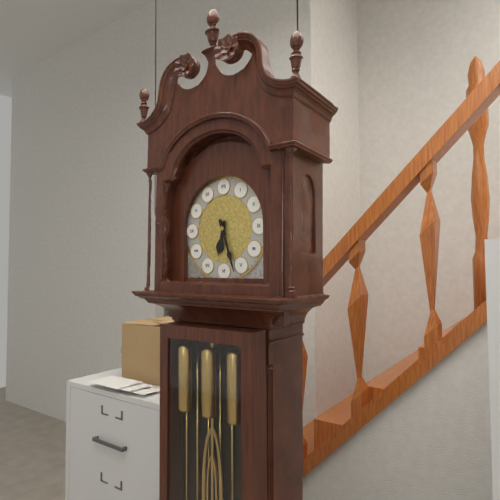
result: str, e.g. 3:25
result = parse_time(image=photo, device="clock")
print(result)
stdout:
6:27
